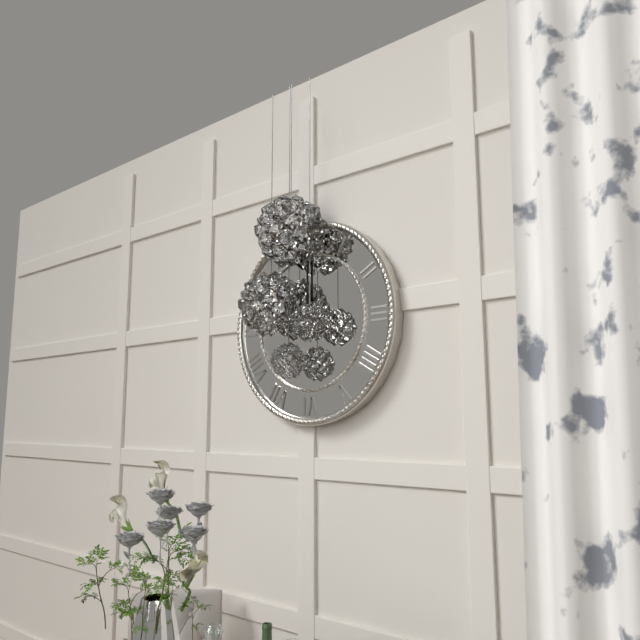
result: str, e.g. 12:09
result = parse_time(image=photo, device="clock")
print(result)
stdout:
11:00
